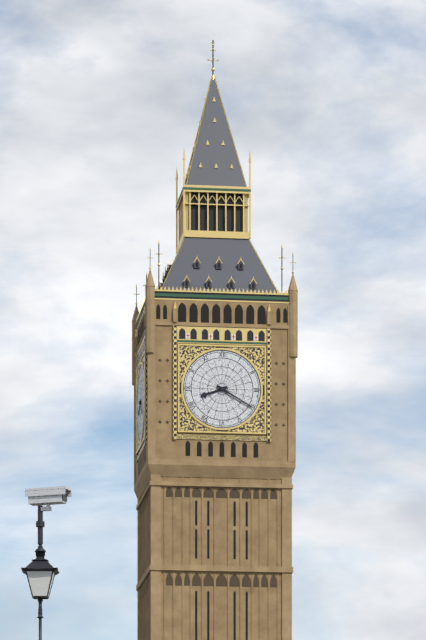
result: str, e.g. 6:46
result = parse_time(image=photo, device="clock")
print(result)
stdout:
8:20
